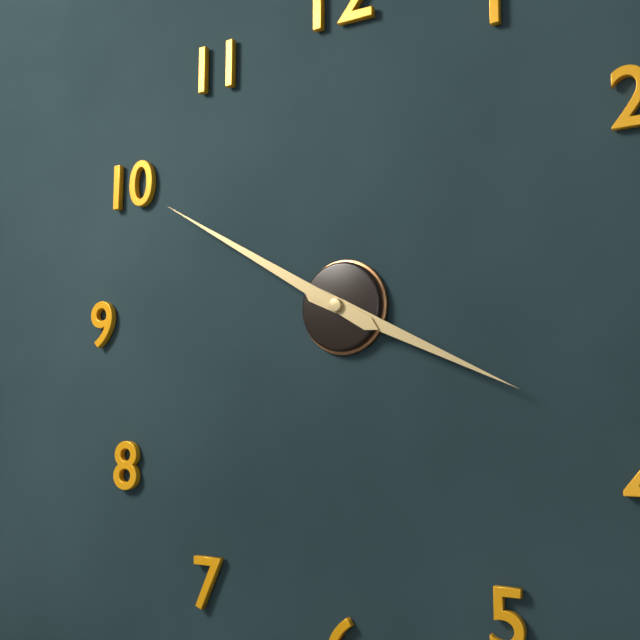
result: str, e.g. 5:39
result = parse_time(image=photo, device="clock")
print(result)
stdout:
3:50
